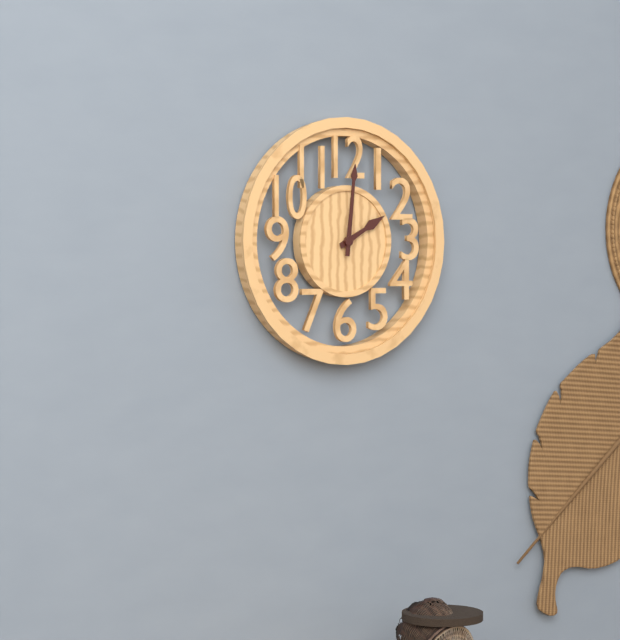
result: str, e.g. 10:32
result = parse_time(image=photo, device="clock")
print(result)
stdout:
2:01
